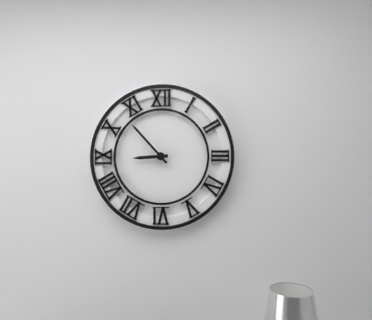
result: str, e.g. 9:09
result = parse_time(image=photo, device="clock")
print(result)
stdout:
8:53
